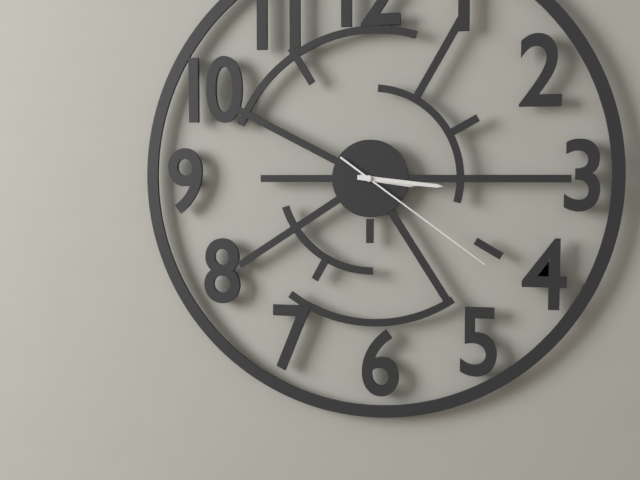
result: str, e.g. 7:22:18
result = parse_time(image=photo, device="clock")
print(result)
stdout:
3:16:21
